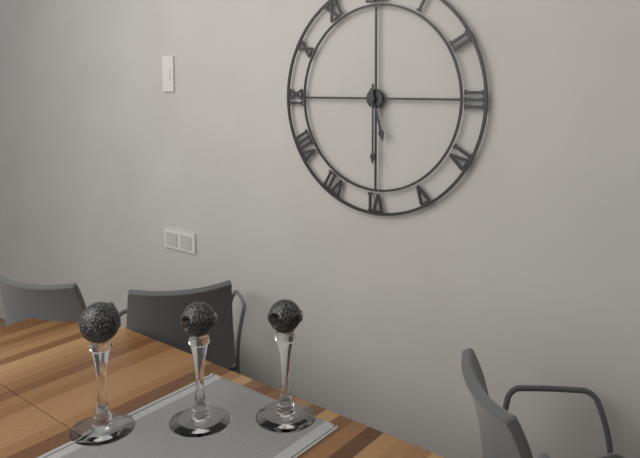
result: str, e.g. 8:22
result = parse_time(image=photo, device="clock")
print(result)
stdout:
5:30
